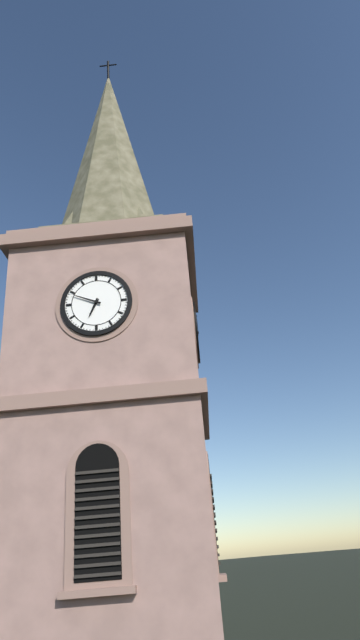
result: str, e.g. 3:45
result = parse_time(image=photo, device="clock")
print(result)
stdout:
6:49
